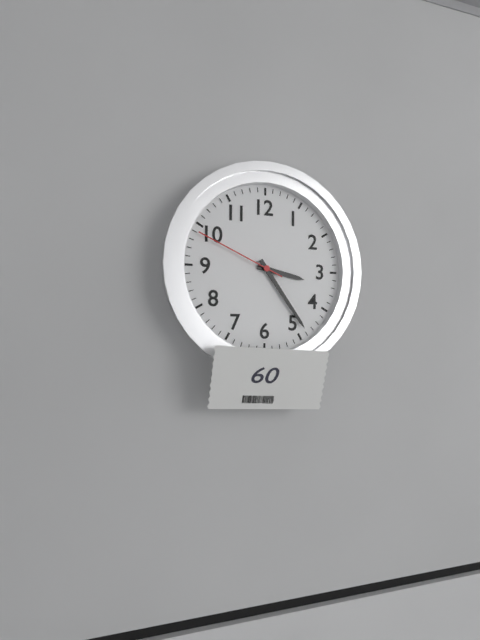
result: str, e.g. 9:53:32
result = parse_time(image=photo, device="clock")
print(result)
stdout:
3:24:49
